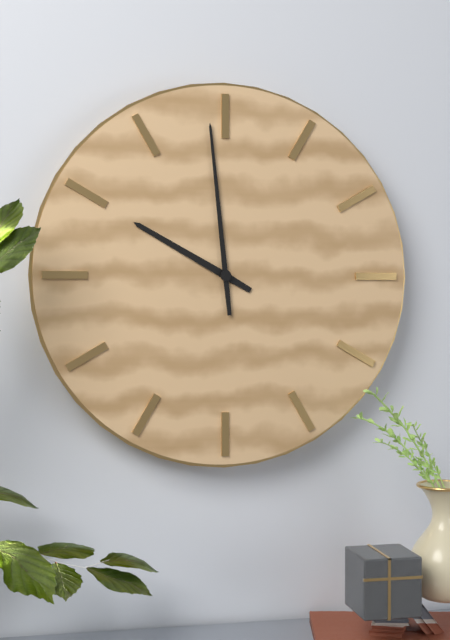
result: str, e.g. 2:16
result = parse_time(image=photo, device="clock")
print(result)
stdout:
9:59
